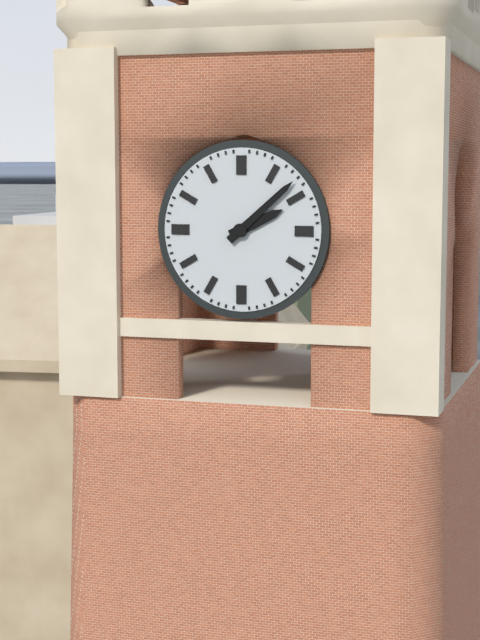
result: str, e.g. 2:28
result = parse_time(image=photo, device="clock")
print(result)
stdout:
2:08
